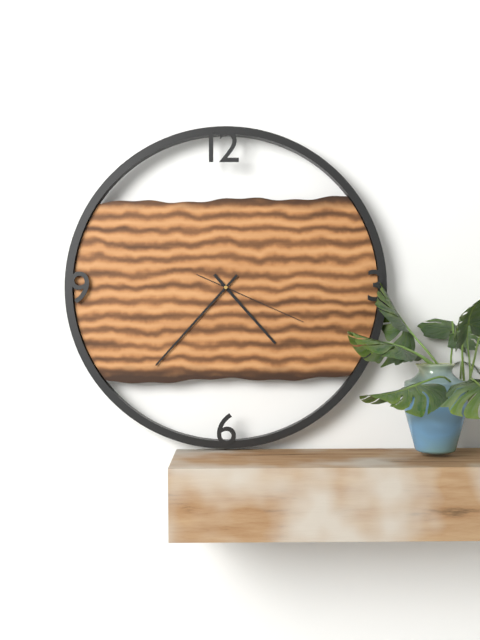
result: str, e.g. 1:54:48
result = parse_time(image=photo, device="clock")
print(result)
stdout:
4:37:19
